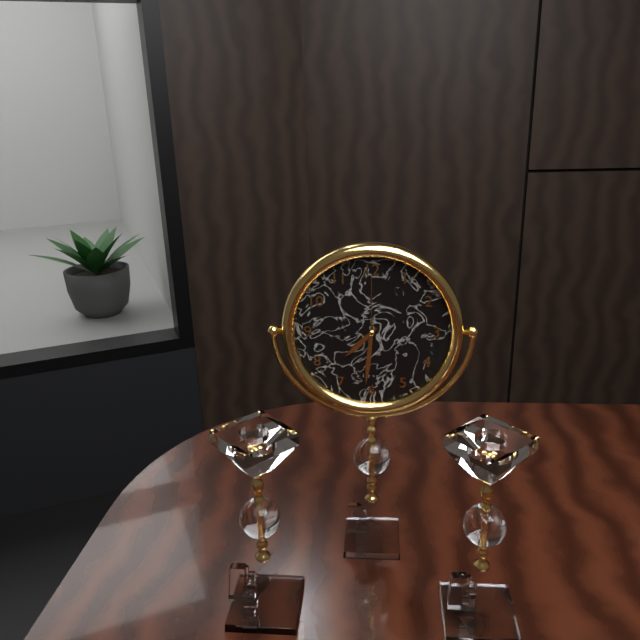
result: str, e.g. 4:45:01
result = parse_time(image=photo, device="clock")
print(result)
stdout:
7:31:00
